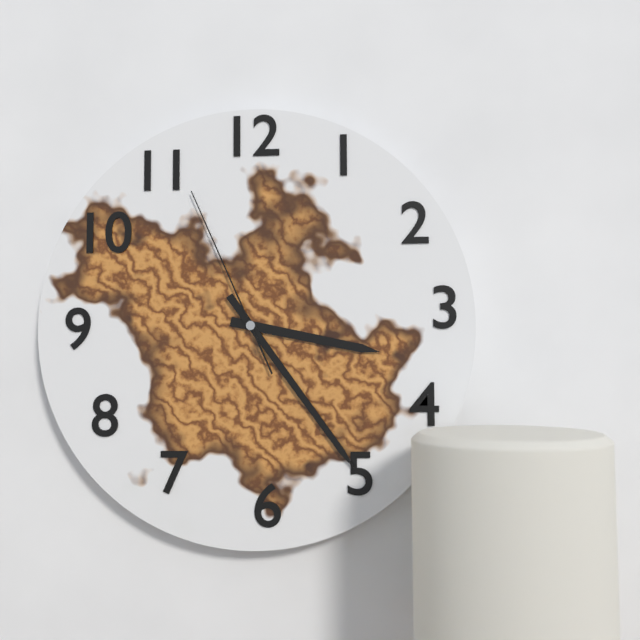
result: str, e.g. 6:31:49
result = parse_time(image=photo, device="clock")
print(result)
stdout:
3:24:56
